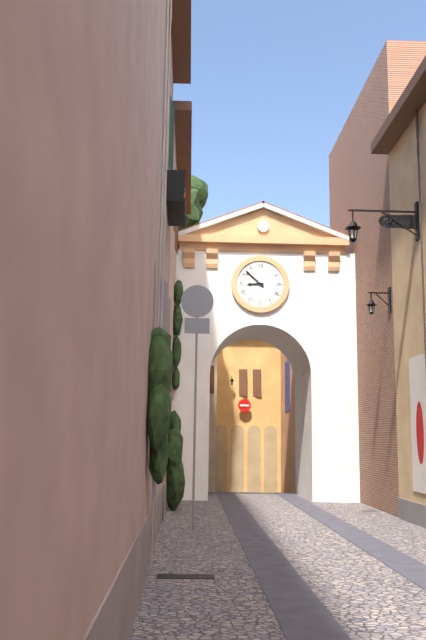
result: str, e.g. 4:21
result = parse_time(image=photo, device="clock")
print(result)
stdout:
8:52
